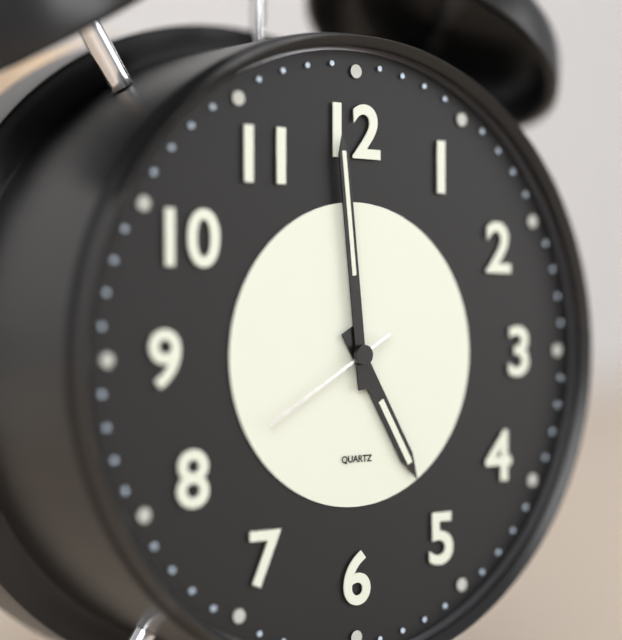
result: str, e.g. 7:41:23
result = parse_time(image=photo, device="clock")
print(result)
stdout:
4:59:40
